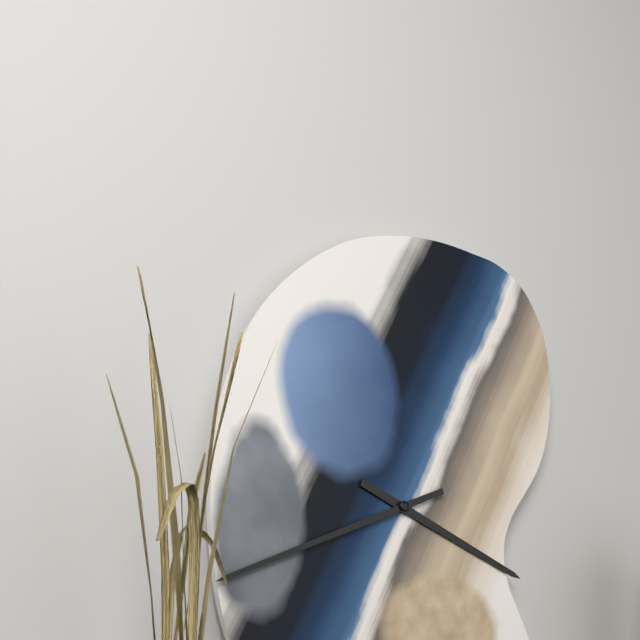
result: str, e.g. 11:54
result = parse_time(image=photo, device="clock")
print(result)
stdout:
3:41
